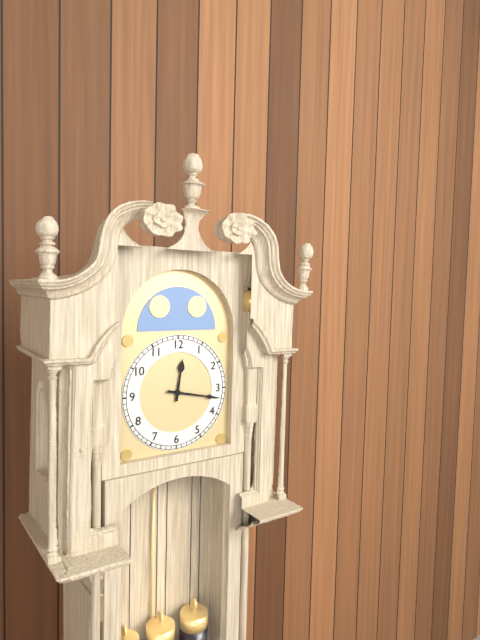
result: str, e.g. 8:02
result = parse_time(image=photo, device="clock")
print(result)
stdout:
12:17
